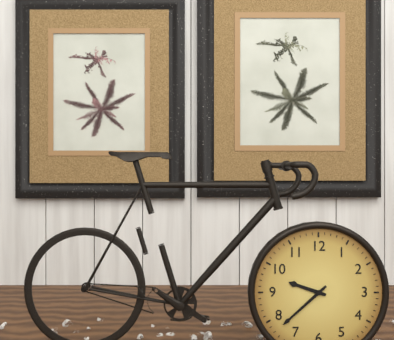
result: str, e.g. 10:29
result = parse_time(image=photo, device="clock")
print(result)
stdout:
9:38
